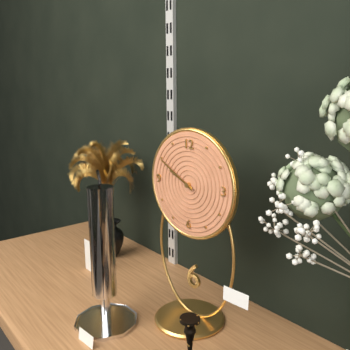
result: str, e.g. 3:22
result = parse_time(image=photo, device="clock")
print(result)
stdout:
9:50
